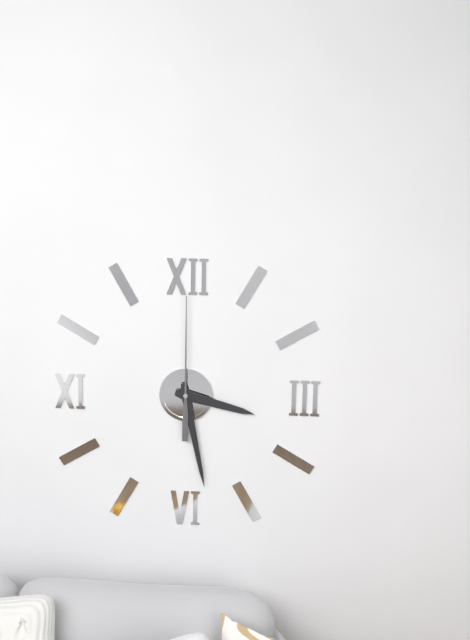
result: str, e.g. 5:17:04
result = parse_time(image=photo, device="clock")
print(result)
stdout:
3:28:00
